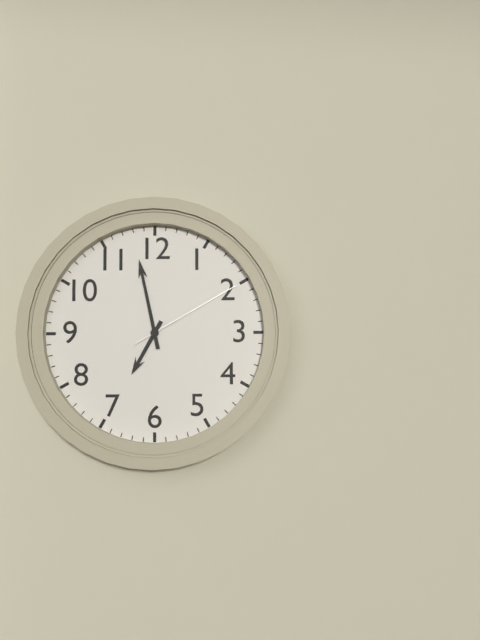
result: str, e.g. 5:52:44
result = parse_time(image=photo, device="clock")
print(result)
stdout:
6:58:10
